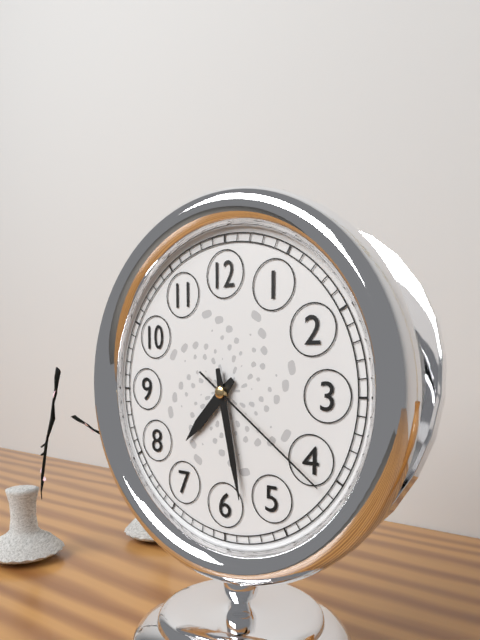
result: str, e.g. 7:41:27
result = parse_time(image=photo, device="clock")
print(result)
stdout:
7:28:21
